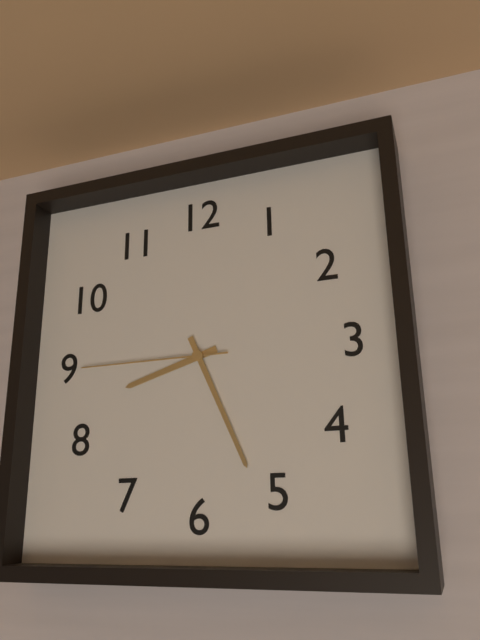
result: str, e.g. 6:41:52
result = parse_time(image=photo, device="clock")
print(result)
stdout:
8:26:45
